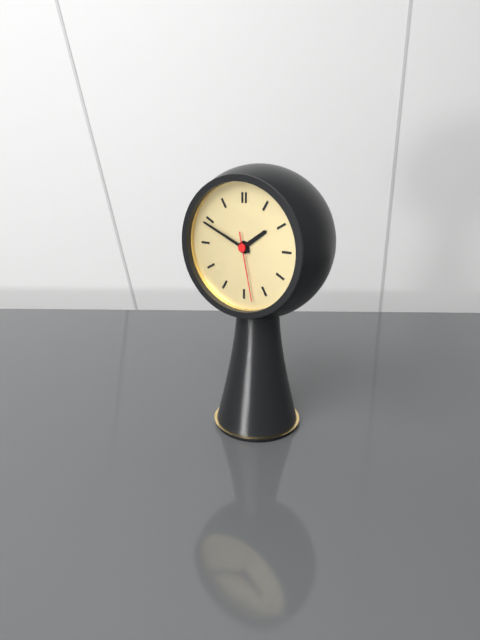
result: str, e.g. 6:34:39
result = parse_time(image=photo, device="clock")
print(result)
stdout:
1:49:28
